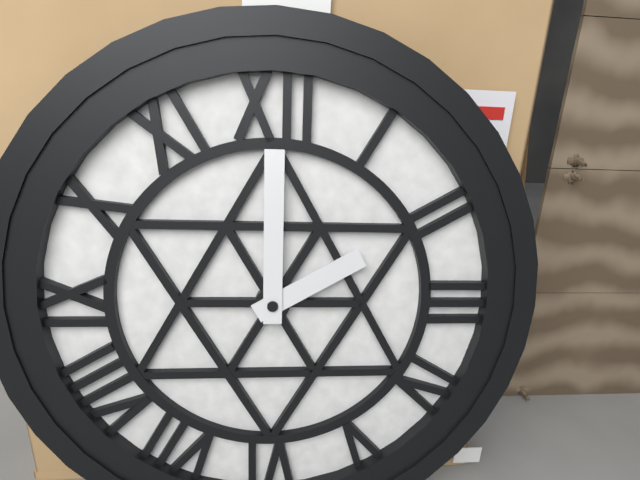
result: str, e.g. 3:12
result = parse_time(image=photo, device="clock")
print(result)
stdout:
2:00
